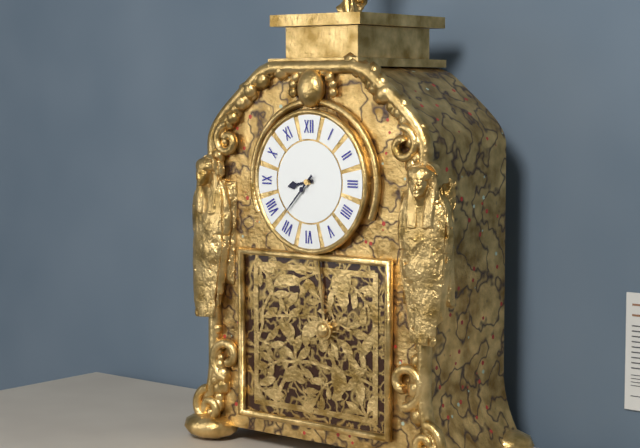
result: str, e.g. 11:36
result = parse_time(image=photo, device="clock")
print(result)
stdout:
8:37
